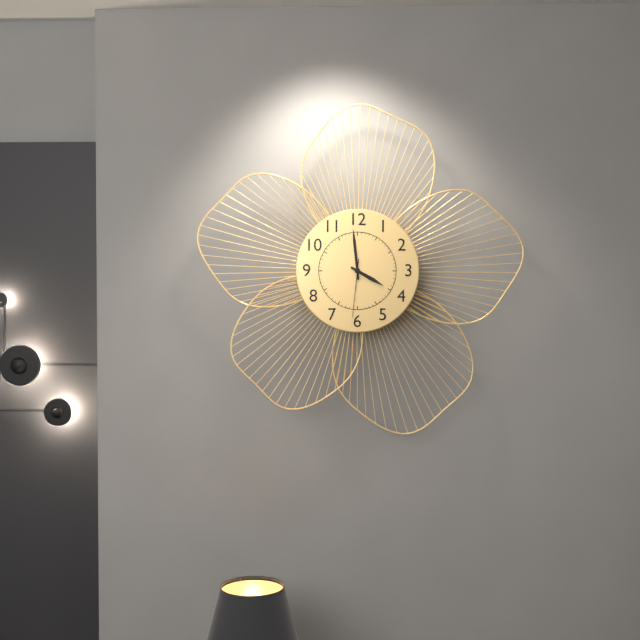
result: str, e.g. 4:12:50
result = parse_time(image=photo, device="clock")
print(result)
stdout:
3:59:31
